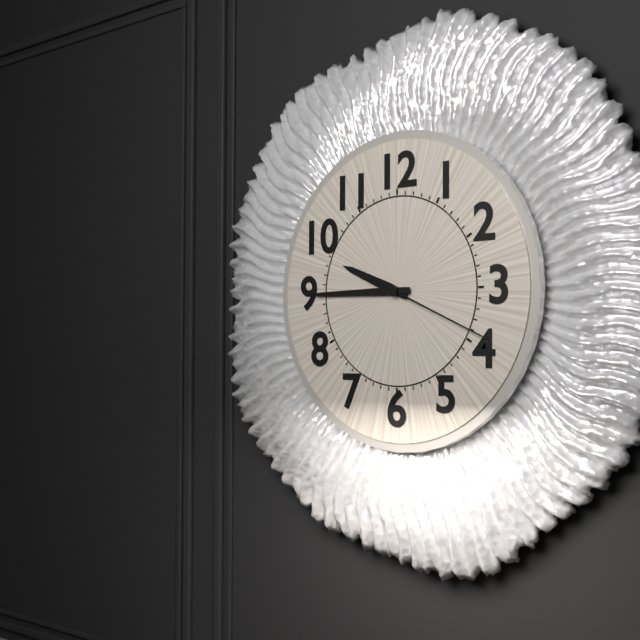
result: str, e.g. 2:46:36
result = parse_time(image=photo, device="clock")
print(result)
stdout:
9:45:19
